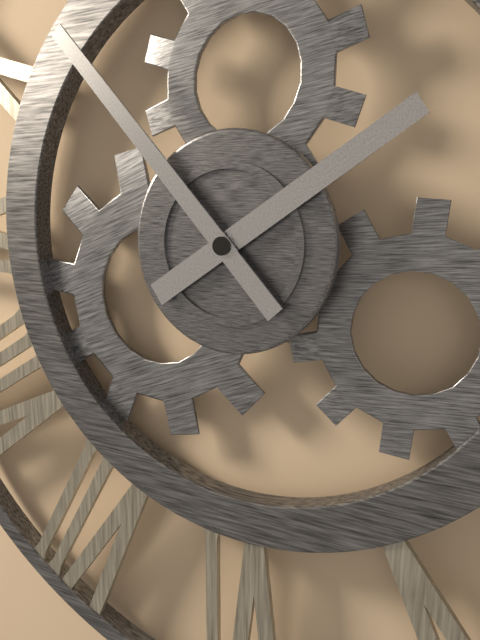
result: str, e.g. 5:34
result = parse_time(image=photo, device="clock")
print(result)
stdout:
1:53
